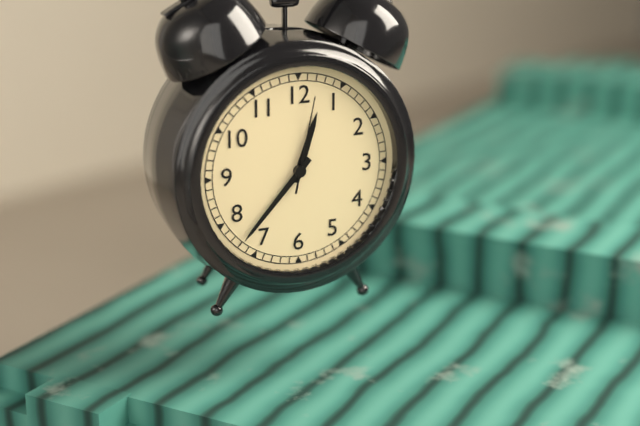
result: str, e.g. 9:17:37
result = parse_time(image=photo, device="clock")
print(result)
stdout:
12:37:02
